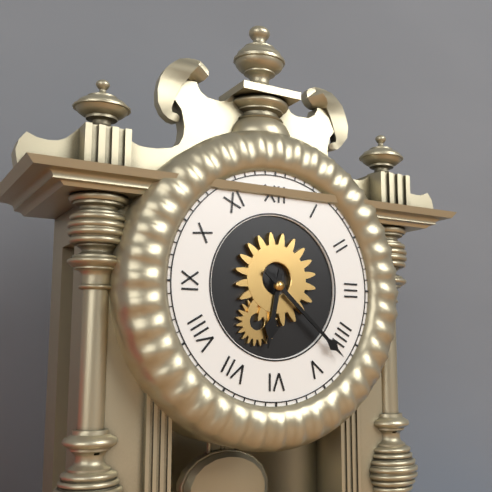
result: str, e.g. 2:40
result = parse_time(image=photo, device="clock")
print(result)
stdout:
6:22
